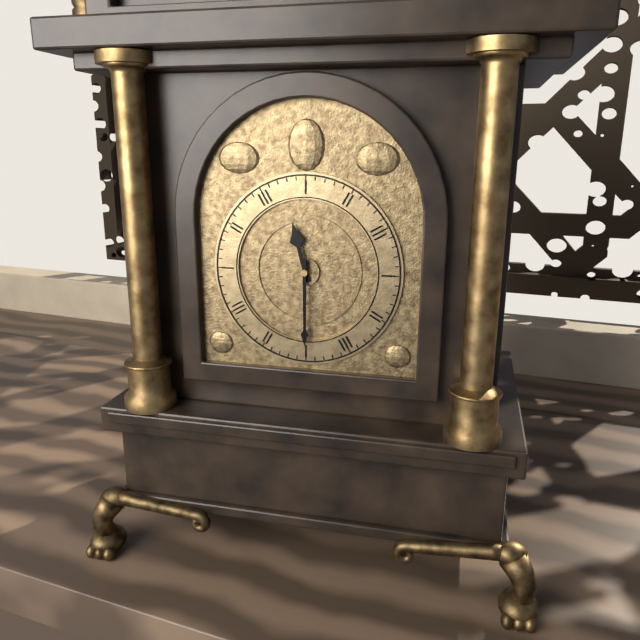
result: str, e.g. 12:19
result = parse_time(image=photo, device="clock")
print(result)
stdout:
11:30
